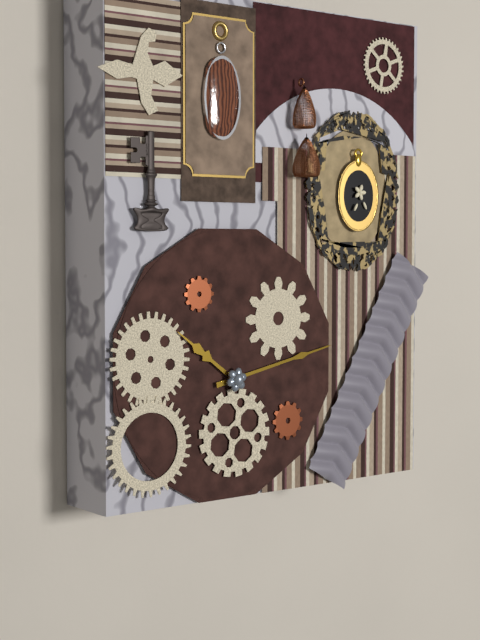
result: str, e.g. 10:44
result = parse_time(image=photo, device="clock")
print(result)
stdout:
10:13
